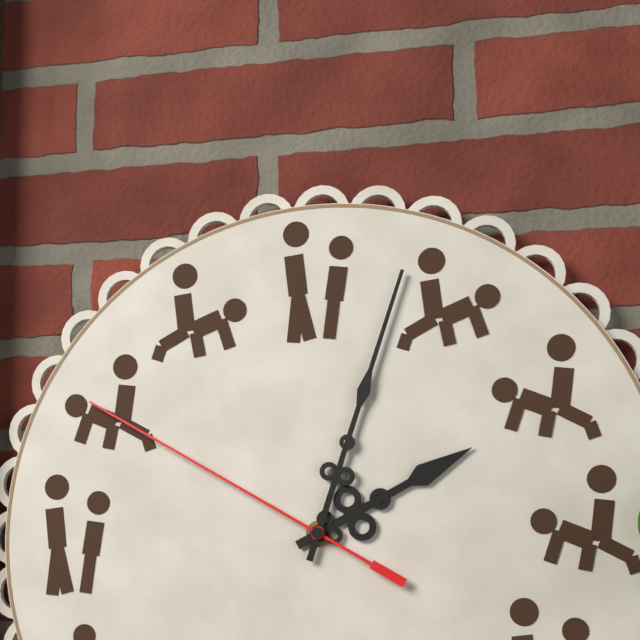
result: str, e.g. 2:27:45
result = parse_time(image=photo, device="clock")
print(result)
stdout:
2:03:50
